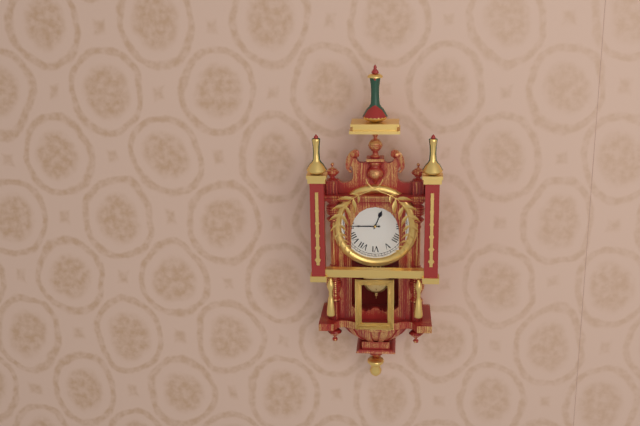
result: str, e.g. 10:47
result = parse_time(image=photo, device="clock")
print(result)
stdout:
12:45
